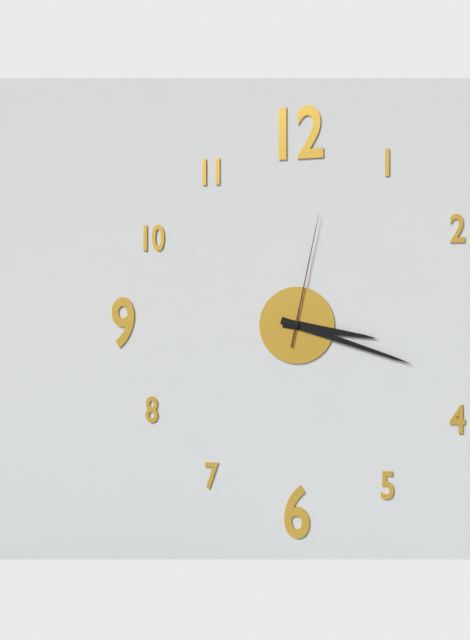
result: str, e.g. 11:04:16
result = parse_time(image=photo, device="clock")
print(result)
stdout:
3:18:02
